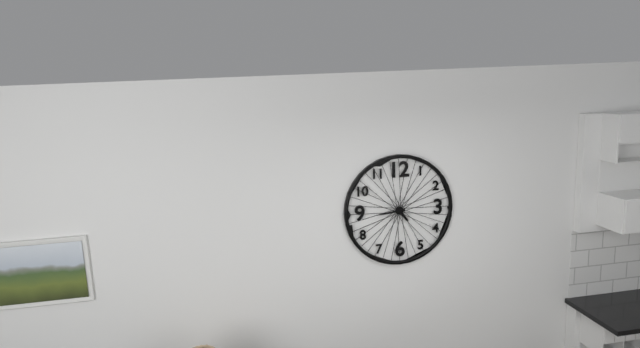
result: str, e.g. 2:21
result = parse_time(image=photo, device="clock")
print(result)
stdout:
4:44
